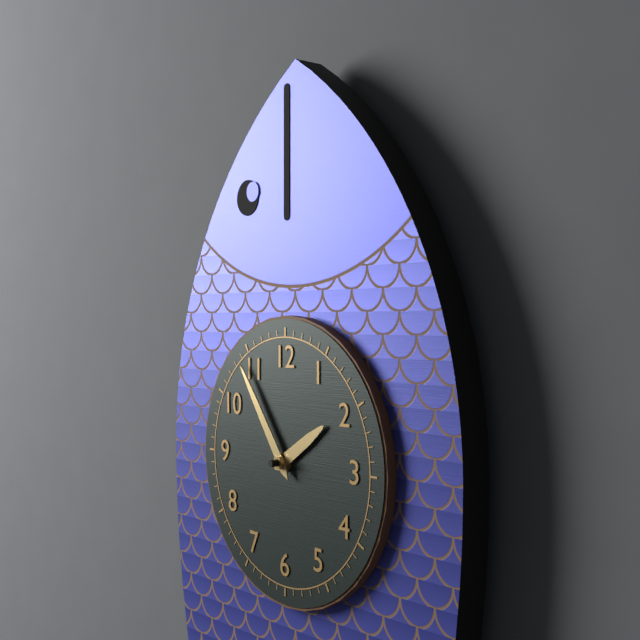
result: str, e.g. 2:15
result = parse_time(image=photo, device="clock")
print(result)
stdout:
1:54
